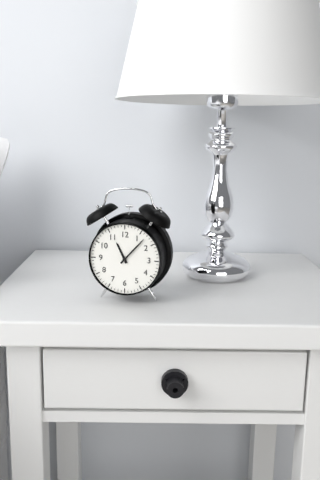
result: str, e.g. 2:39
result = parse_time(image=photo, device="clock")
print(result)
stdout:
11:07
